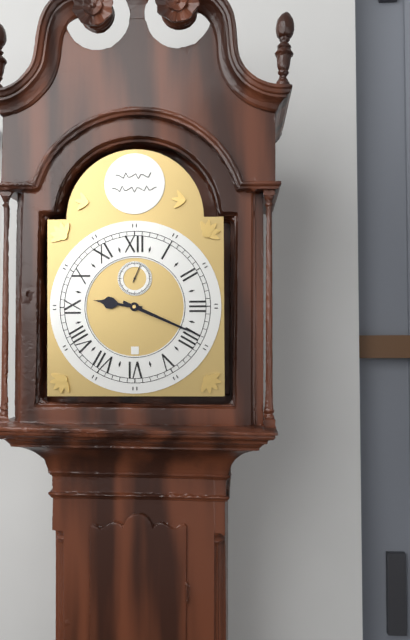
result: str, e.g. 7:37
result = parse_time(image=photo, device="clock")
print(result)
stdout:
9:19
